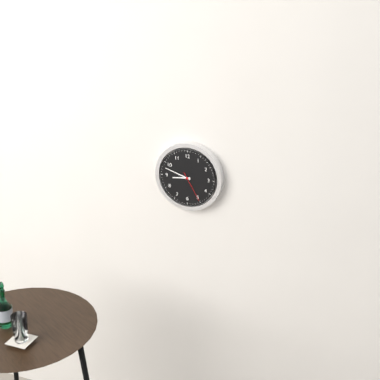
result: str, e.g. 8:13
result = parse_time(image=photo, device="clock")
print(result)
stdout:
8:48
